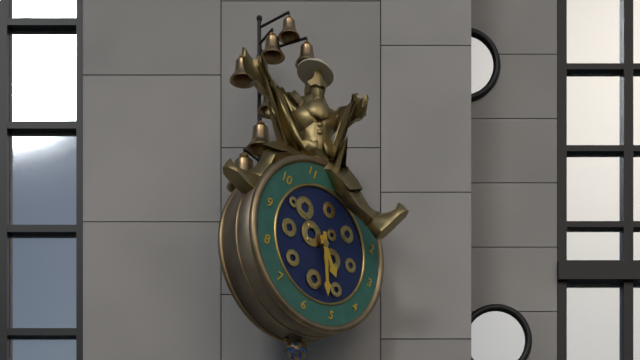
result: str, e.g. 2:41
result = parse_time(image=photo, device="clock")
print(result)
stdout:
4:26
